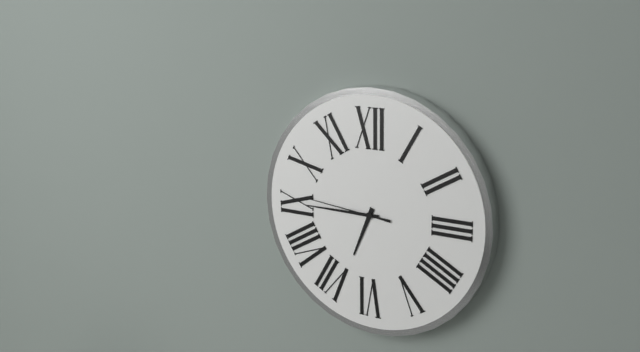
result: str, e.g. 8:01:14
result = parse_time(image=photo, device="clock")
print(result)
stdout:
6:45:46
